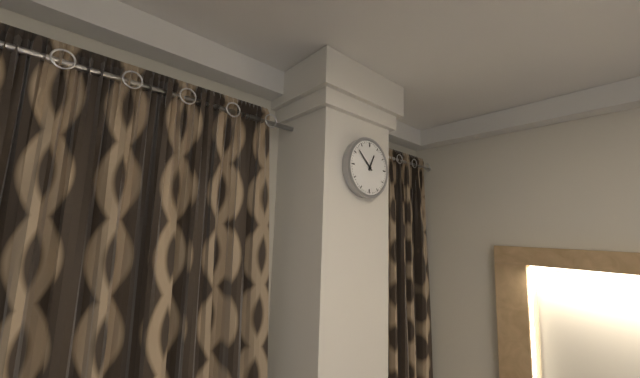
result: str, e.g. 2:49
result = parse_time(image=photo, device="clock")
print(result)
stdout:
12:52
